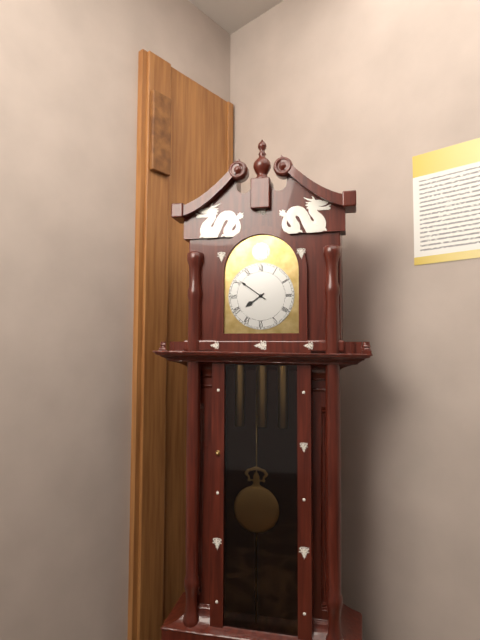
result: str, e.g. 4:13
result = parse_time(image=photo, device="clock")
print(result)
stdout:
7:51
